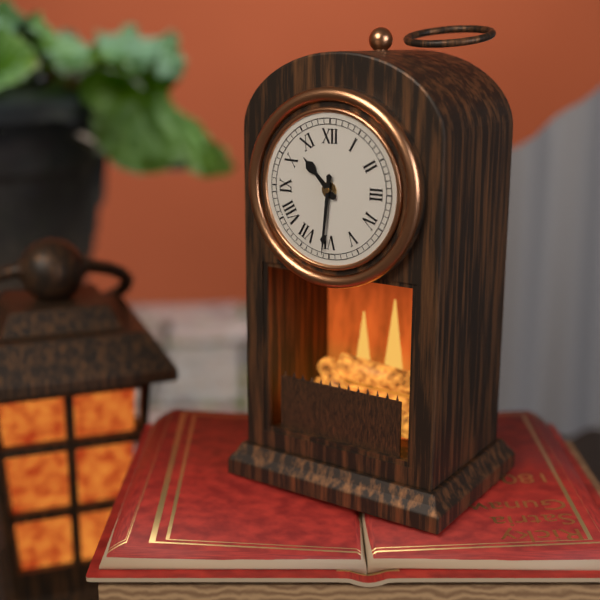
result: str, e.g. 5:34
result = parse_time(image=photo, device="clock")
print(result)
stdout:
10:31
